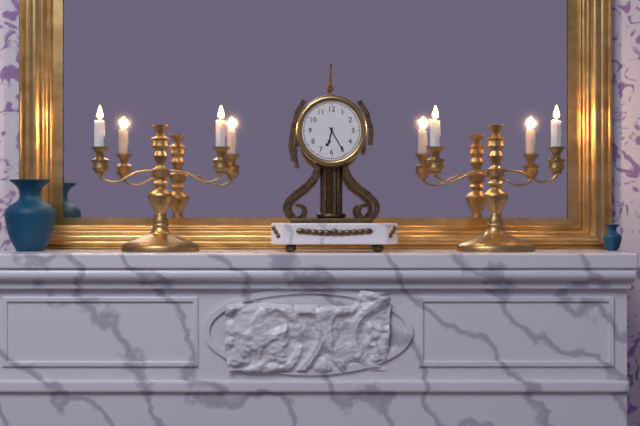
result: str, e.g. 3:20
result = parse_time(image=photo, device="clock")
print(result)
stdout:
6:25
